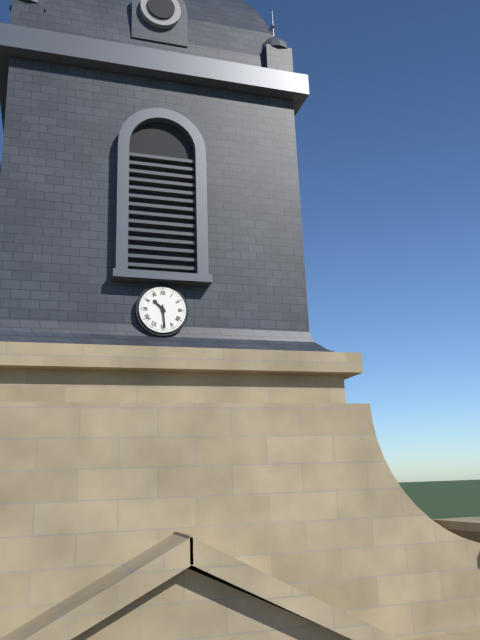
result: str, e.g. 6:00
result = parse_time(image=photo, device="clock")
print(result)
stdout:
10:29
